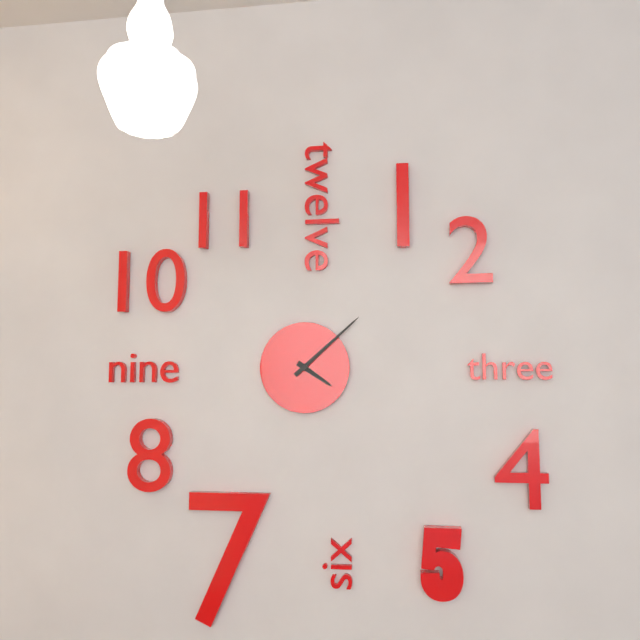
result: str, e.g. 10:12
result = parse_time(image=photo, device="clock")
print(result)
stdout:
4:08
